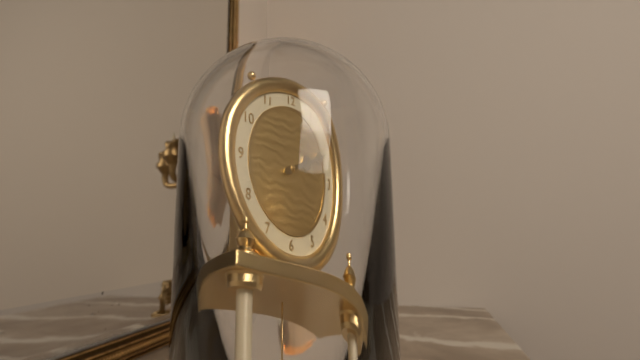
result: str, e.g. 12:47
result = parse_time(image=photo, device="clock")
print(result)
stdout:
2:11
